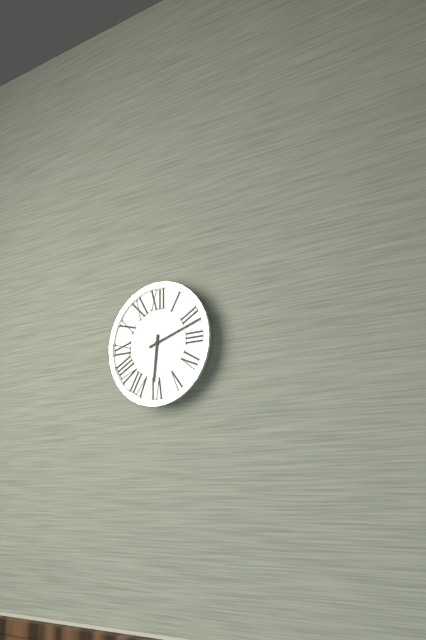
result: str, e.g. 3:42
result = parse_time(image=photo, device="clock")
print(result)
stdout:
6:12
